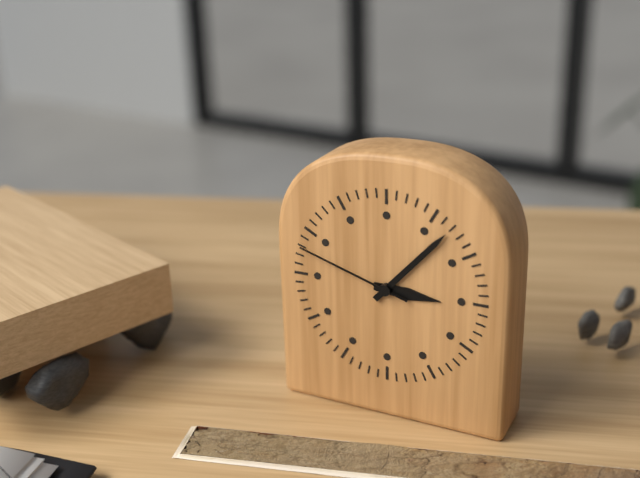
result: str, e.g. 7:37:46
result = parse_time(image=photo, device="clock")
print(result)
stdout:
3:07:48
